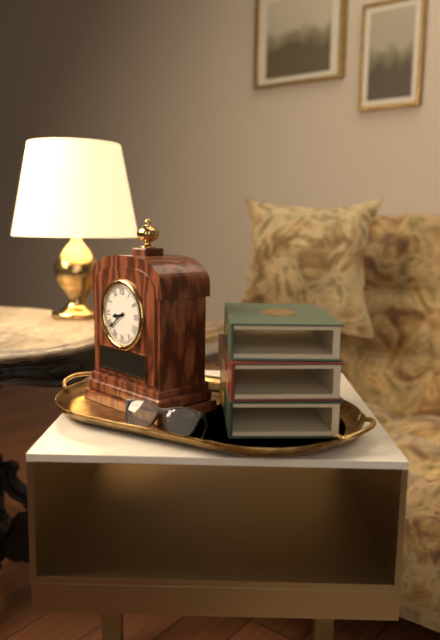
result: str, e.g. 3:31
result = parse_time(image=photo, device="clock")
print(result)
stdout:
8:39
